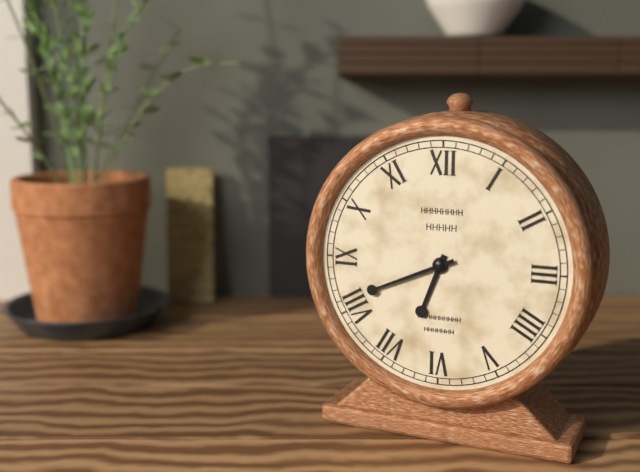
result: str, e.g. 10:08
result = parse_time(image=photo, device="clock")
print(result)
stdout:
6:41
